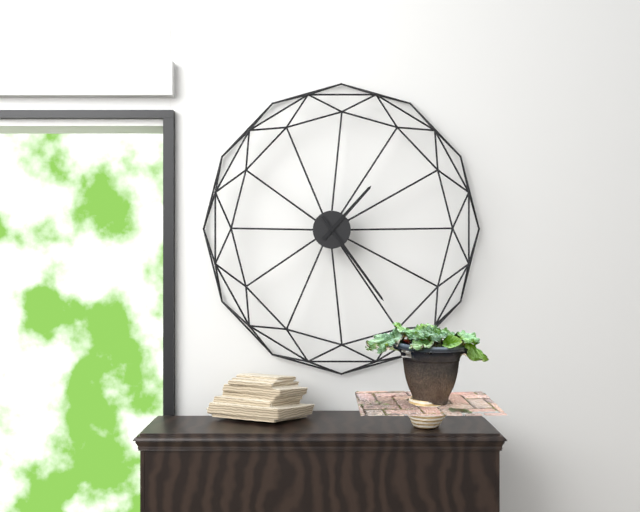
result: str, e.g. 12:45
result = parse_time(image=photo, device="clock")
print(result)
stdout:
1:24
